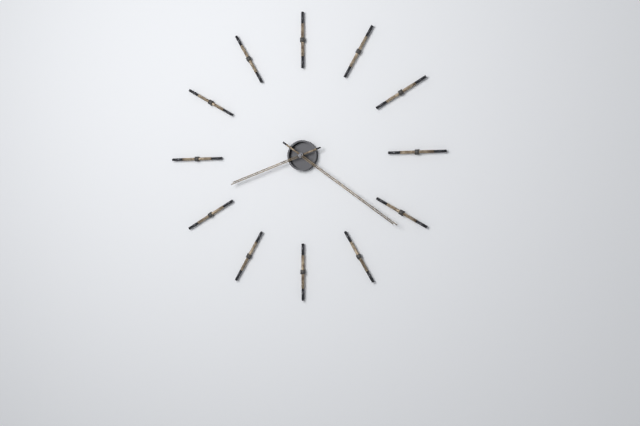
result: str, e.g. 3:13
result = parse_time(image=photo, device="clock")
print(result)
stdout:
8:21
